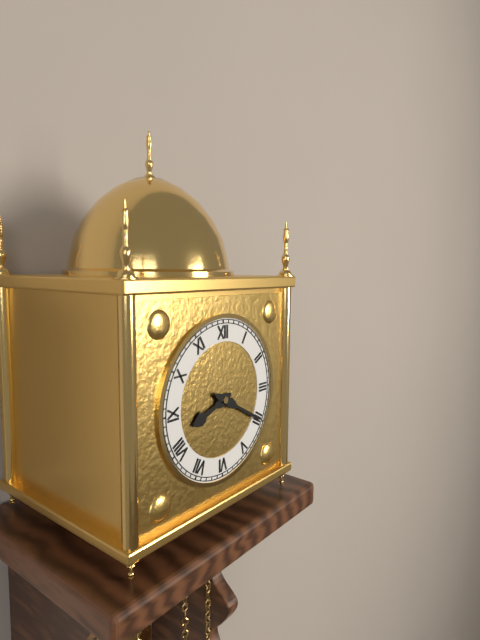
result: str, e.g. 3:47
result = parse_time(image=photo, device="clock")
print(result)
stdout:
8:20
